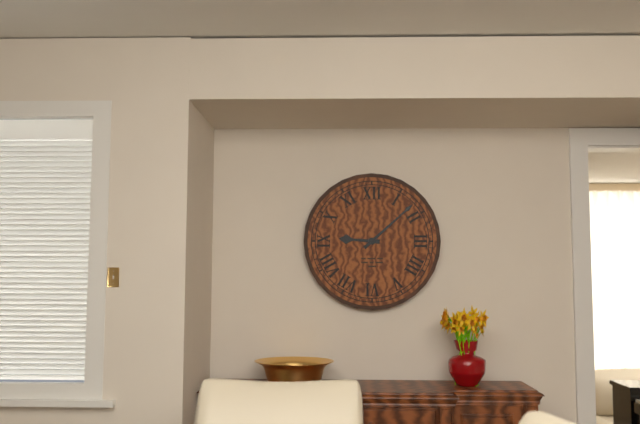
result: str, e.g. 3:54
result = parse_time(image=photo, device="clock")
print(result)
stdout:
9:08
